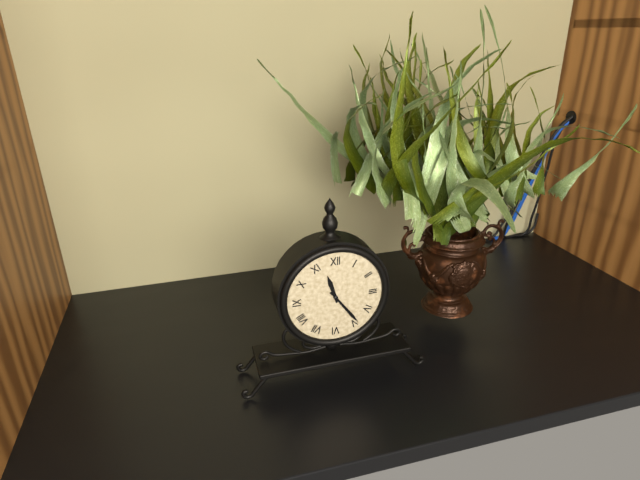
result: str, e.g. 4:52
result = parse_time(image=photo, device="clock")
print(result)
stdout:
11:24
